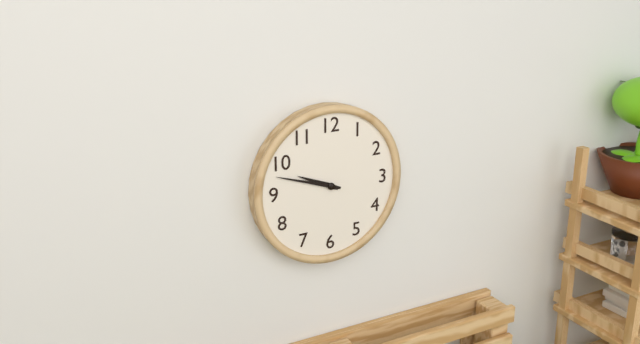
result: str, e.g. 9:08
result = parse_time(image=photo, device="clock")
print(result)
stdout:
9:48
